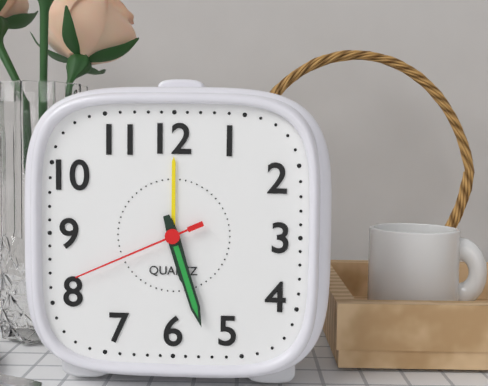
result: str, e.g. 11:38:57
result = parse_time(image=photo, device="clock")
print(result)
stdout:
5:27:41
